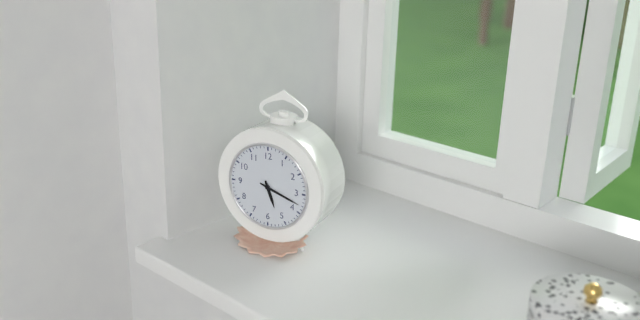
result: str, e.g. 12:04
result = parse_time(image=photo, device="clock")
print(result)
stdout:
5:18
